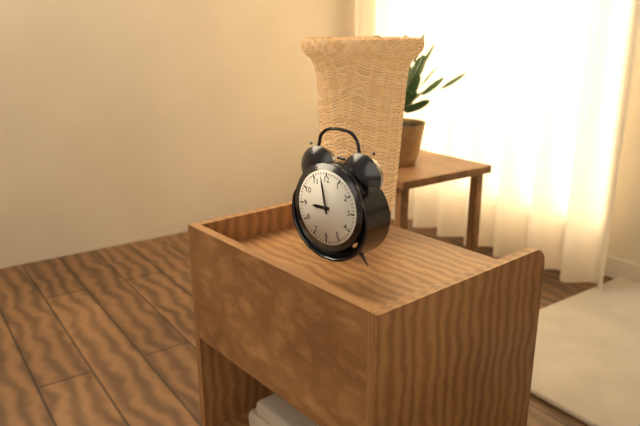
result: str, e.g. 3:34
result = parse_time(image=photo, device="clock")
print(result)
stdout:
8:58
